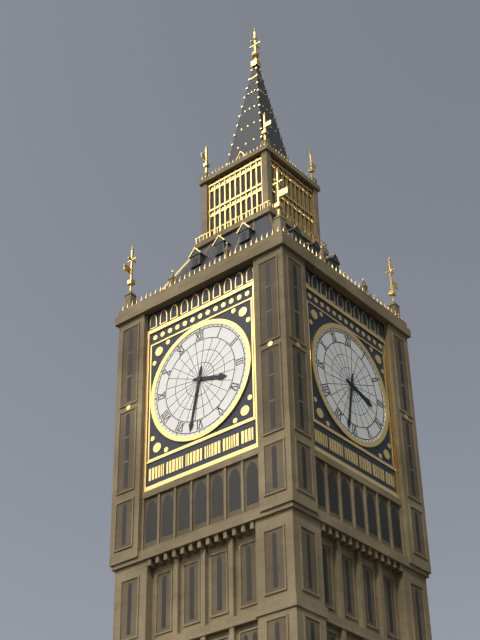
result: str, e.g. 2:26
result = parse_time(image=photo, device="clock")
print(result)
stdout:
3:32
